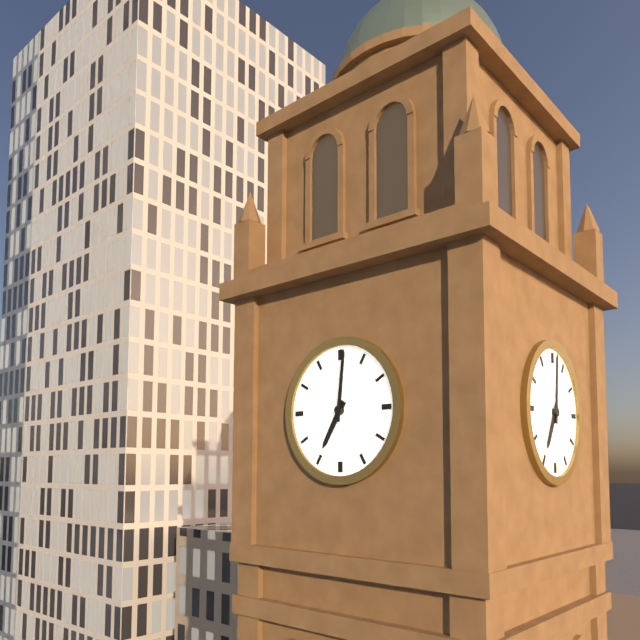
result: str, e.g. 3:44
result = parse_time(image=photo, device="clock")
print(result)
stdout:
7:01
